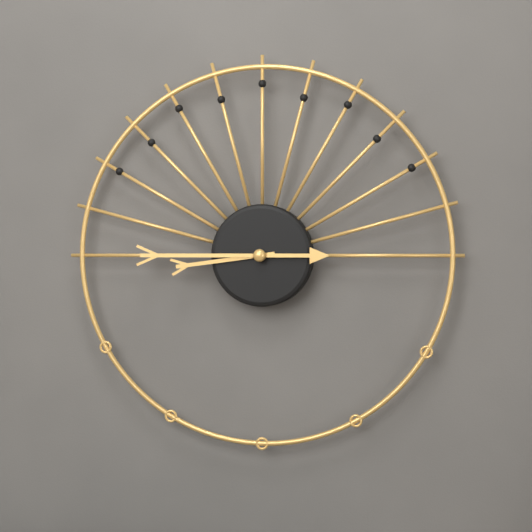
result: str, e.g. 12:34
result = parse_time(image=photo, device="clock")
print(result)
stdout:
8:45
